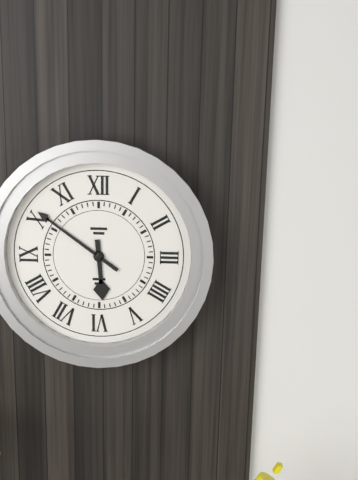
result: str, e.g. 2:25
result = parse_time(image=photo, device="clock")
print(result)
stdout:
5:51
